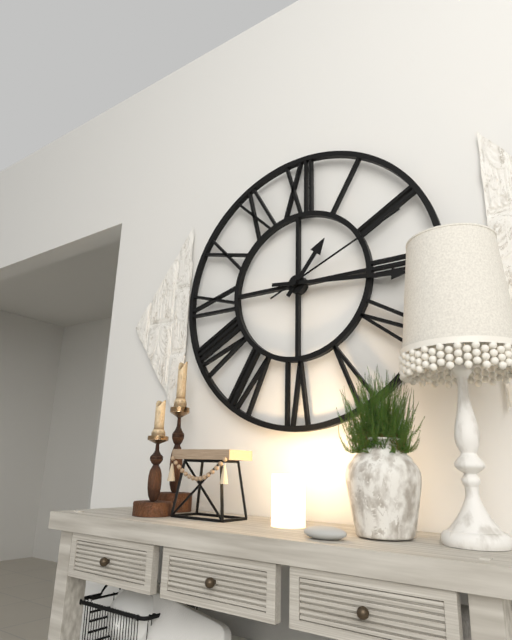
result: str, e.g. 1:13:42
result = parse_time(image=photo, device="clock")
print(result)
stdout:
1:16:11
